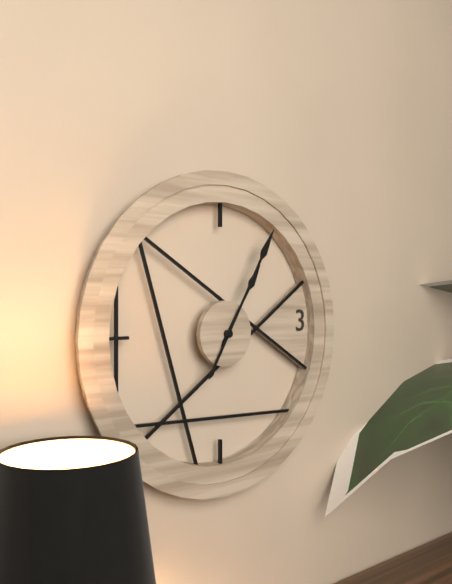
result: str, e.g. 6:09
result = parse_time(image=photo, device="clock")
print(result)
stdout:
1:05
